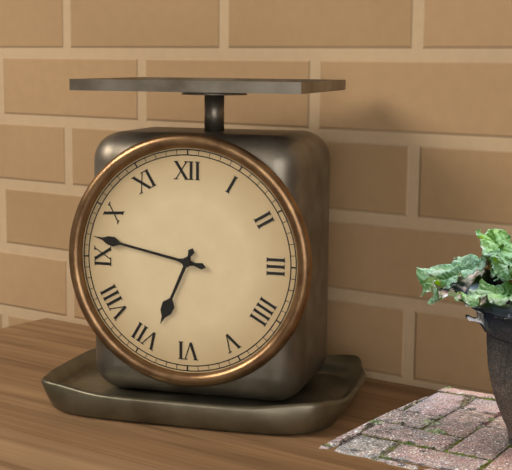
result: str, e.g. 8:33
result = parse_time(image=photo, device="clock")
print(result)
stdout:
6:47
